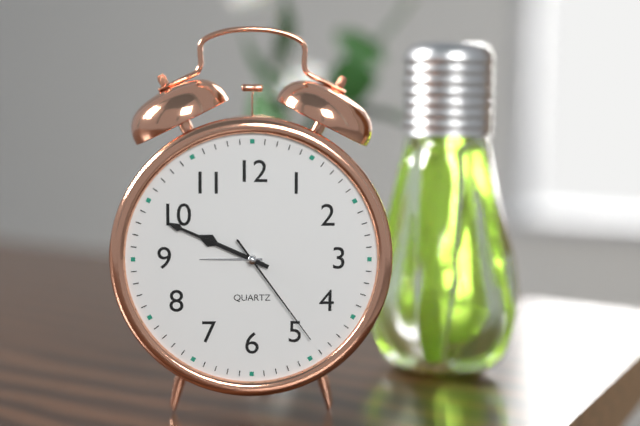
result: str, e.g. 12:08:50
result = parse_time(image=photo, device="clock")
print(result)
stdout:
9:49:24
